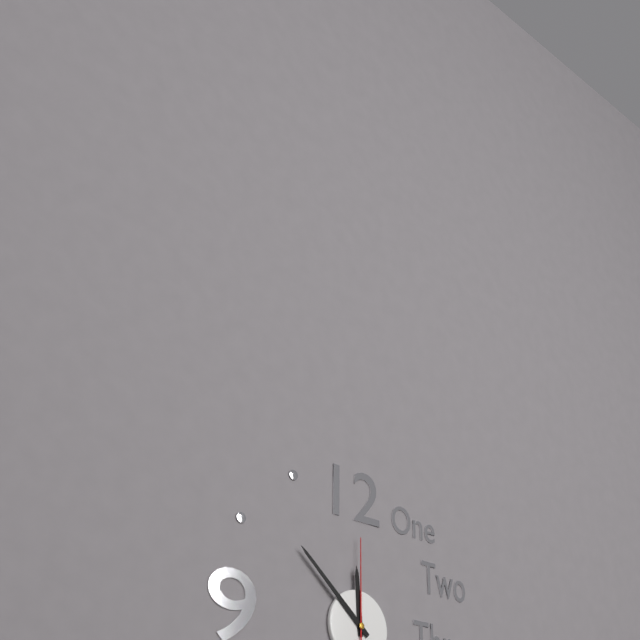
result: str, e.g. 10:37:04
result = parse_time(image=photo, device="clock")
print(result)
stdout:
11:52:00
